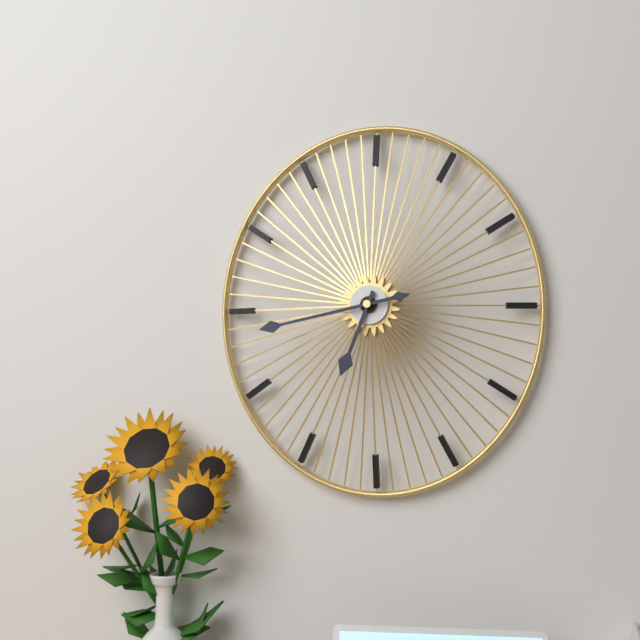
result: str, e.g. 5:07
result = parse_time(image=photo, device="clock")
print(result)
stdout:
6:43
